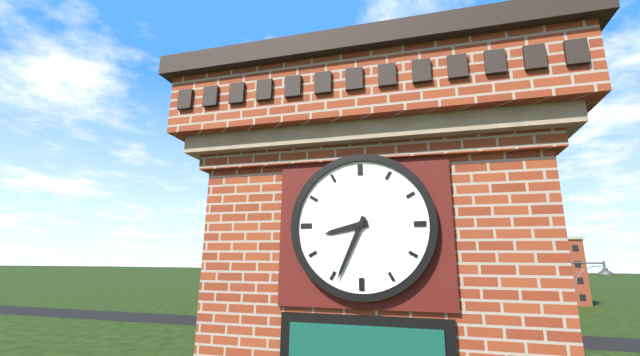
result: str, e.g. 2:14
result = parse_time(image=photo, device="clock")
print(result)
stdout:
8:34
